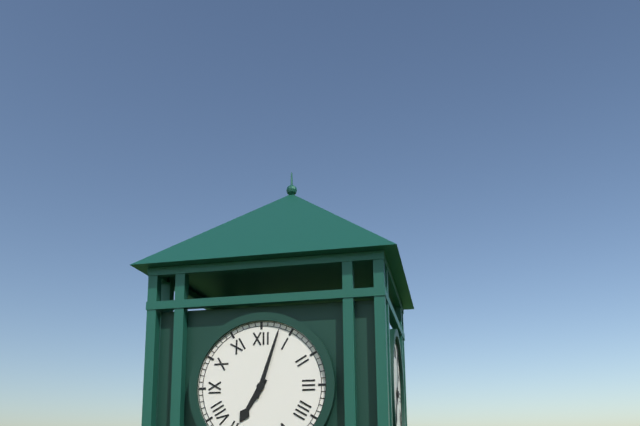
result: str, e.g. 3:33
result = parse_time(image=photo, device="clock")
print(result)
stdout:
7:03
